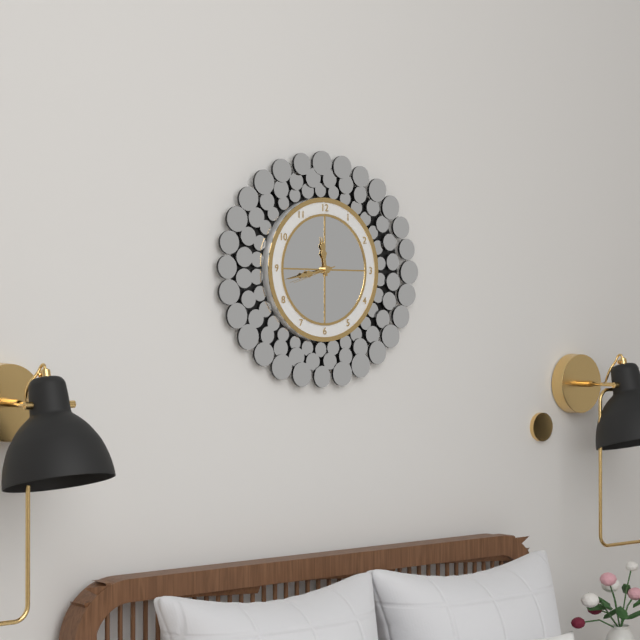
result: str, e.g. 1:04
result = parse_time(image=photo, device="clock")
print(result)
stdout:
11:43
